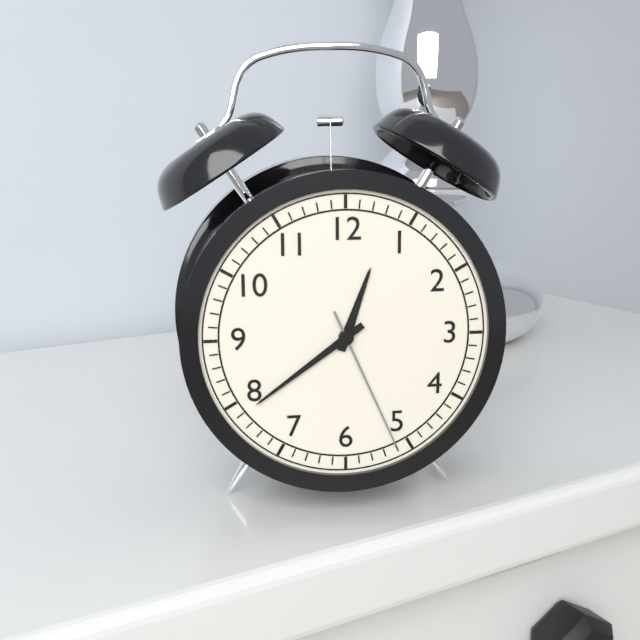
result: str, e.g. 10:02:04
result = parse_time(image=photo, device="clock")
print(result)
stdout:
12:39:26
